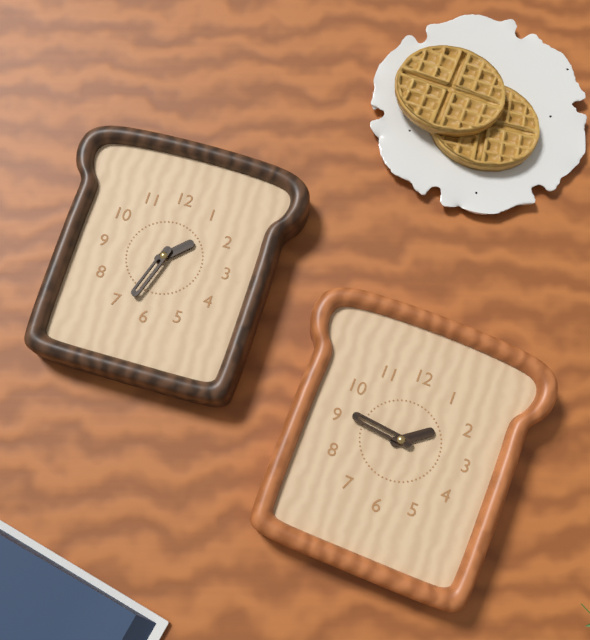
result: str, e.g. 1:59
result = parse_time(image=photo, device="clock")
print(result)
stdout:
1:46
